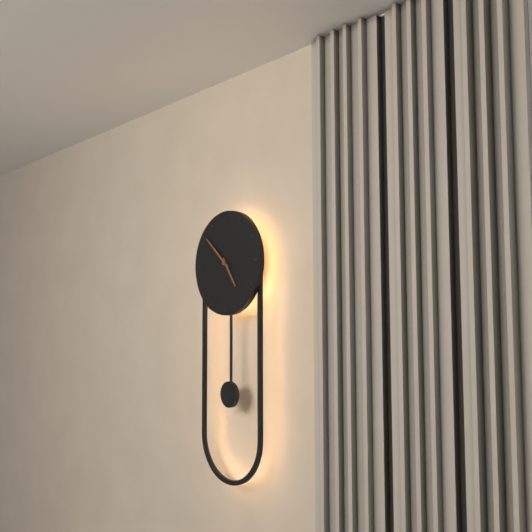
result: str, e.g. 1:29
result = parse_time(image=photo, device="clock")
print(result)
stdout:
4:52
